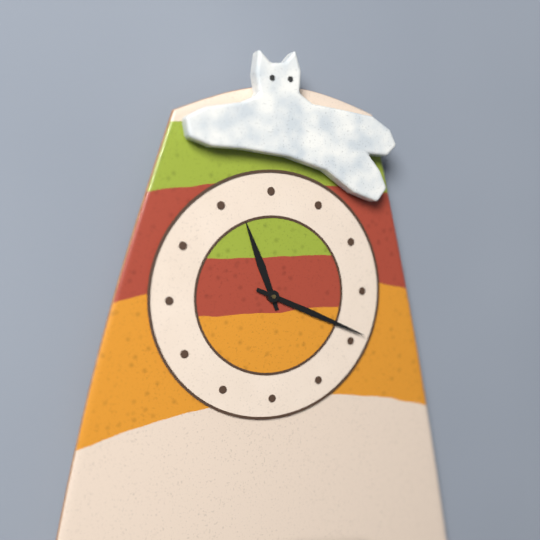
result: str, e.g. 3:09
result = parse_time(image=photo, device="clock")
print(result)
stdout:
11:19
